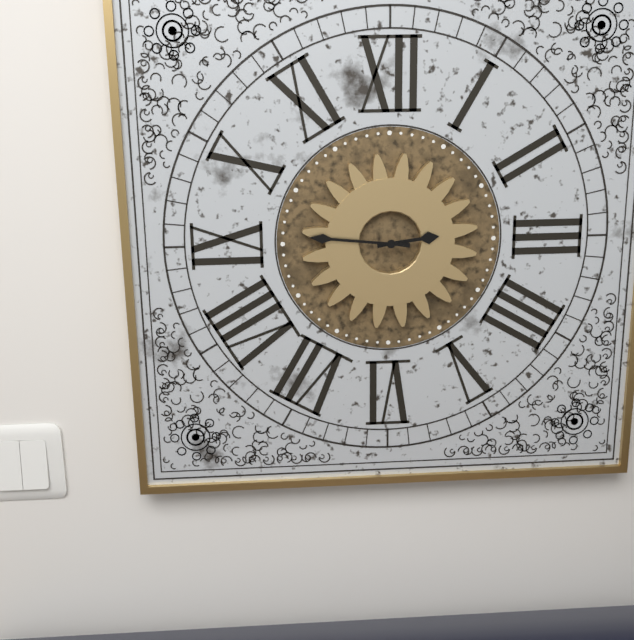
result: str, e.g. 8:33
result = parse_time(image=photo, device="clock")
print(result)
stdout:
2:46
